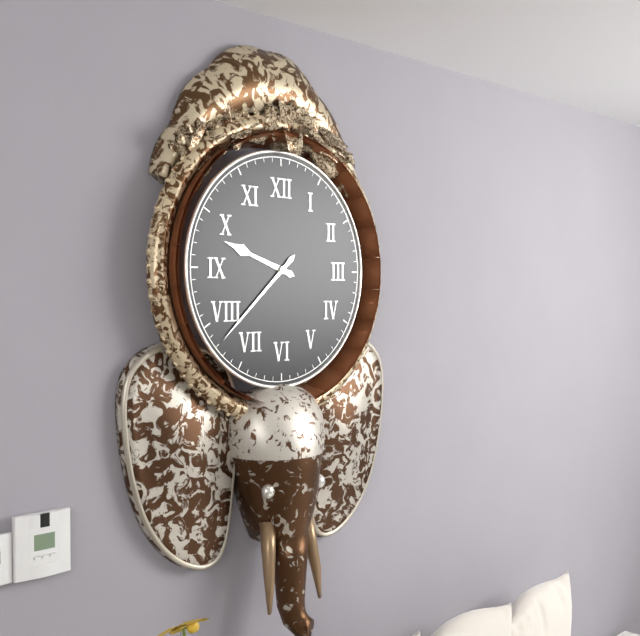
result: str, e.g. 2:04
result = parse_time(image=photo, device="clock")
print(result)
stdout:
9:38
